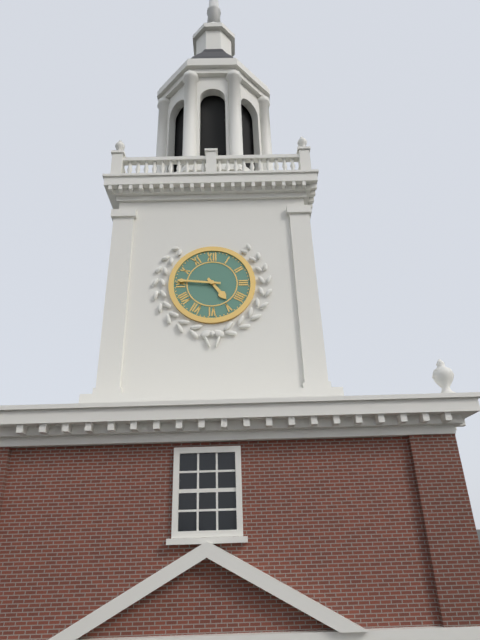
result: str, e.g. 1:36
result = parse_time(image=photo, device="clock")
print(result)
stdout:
4:46
